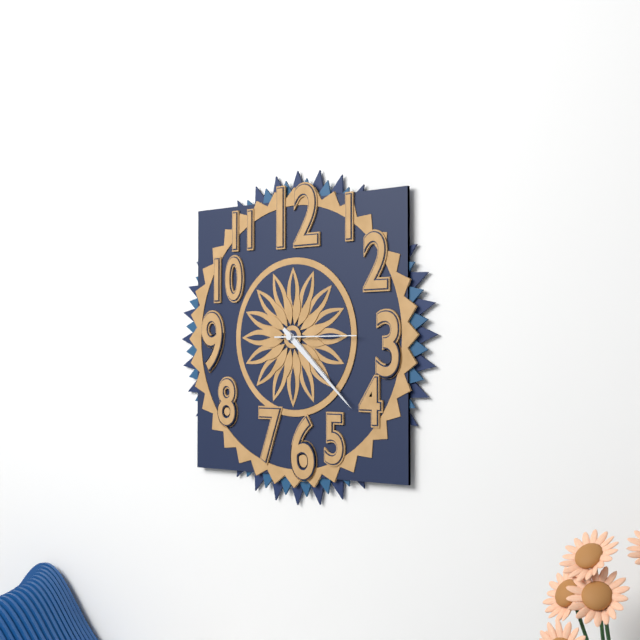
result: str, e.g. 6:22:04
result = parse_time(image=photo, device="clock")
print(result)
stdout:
4:22:15
